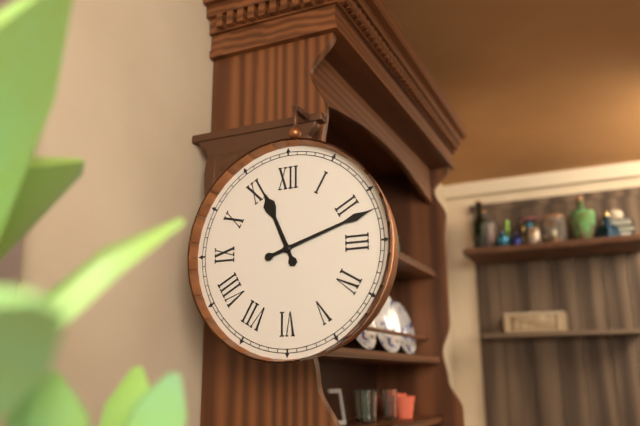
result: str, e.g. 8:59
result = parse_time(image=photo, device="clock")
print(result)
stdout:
11:12
